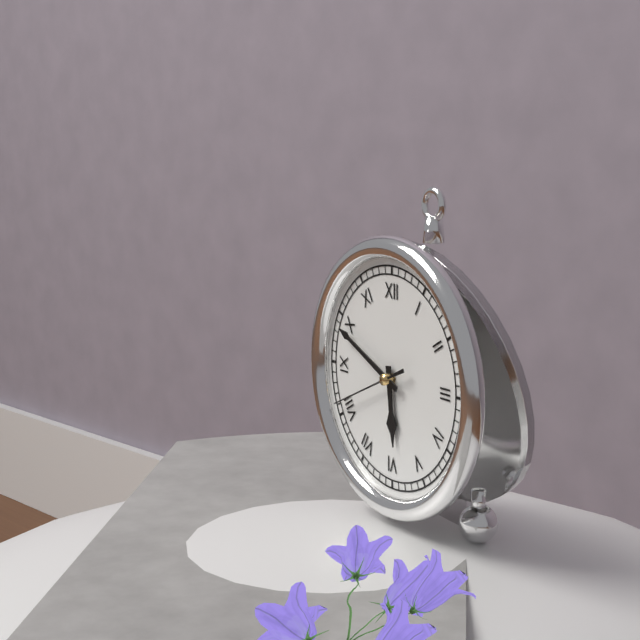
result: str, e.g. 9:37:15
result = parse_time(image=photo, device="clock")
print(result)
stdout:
5:49:41
